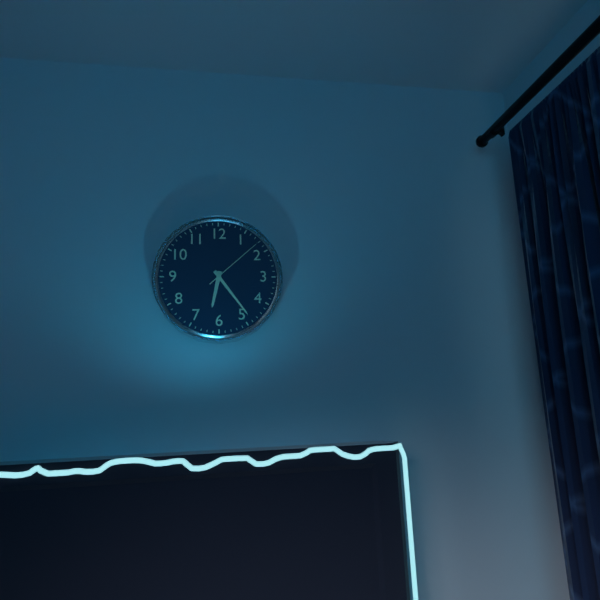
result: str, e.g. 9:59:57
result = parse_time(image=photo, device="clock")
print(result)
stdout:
6:24:08
